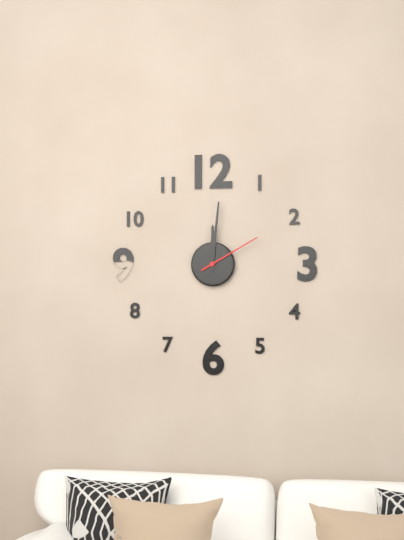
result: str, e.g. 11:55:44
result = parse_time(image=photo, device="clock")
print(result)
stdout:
12:01:10
